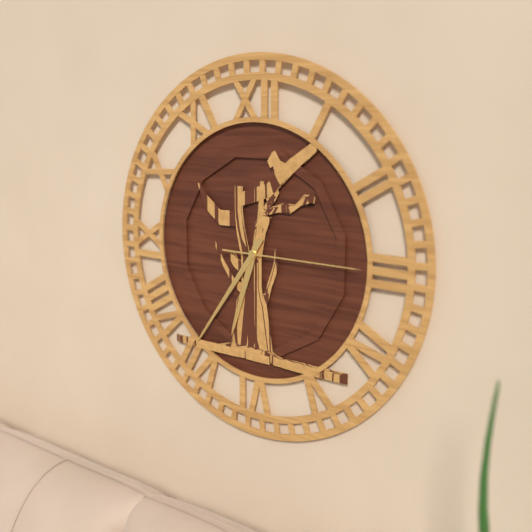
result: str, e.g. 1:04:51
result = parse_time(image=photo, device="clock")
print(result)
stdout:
6:36:15
